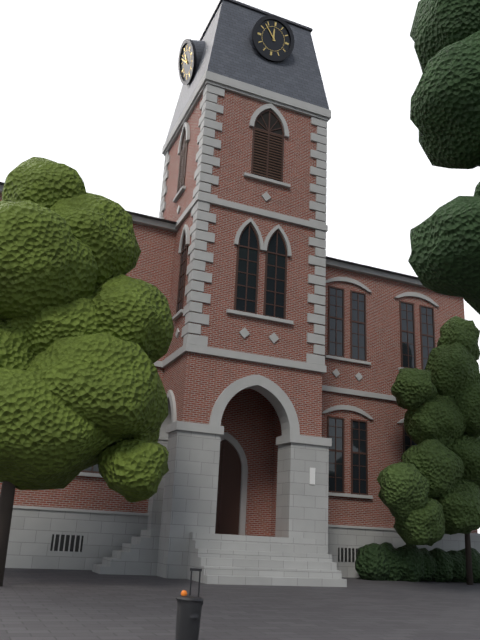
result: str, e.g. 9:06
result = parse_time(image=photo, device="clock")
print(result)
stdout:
11:53
